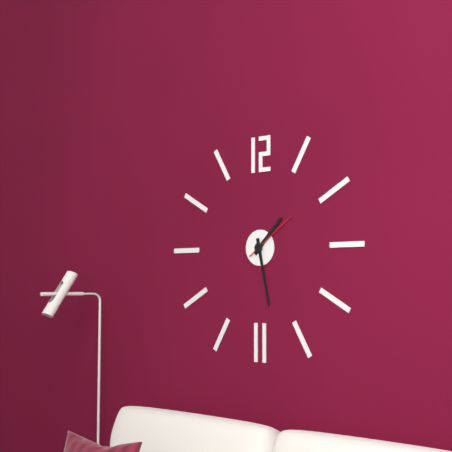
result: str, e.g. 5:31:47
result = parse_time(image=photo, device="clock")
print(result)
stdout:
1:28:09
